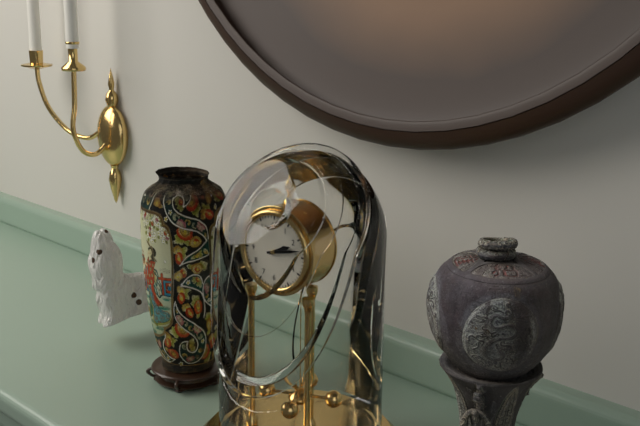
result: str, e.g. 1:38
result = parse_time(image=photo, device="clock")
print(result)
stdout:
2:13
